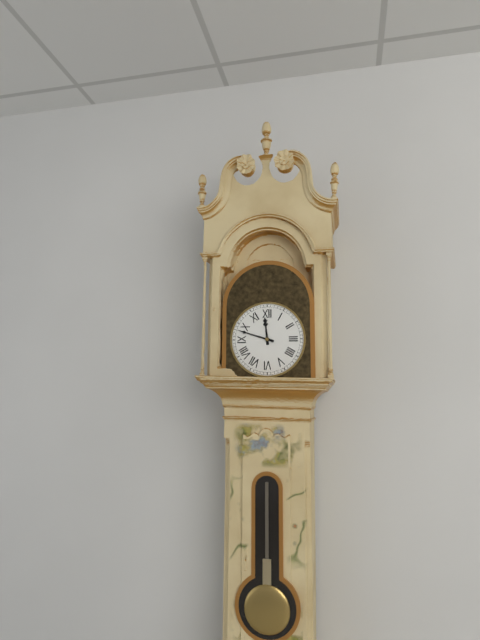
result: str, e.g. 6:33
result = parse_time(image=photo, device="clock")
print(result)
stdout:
11:48
